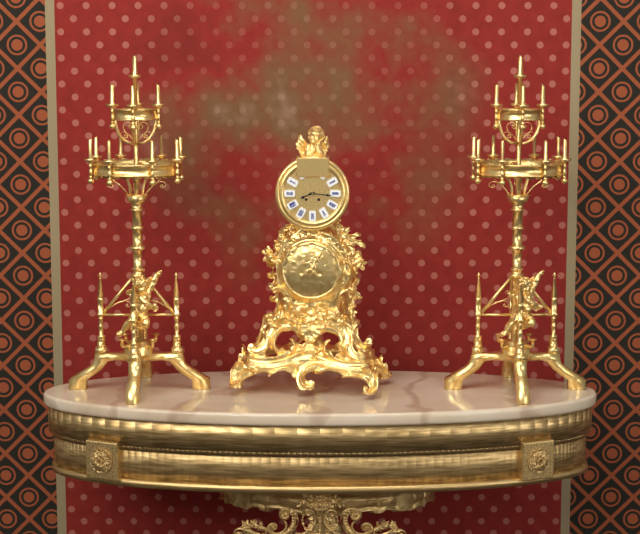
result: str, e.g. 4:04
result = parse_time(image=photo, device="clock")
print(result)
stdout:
8:16
